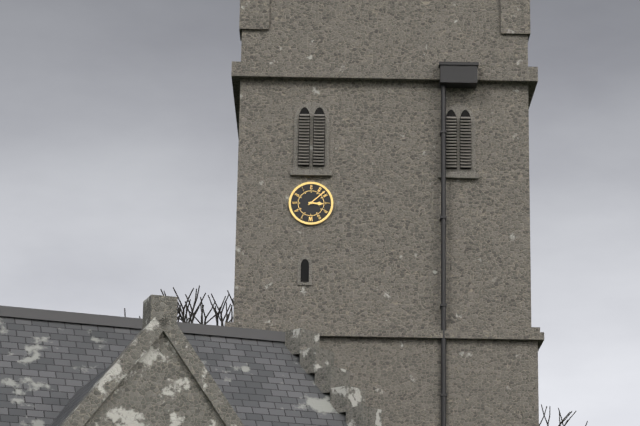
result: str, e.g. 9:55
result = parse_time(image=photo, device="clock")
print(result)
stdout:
3:08
